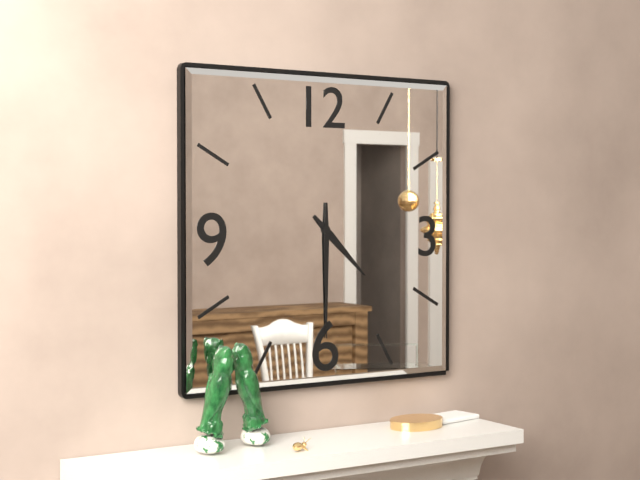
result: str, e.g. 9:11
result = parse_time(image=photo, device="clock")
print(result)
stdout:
4:30
